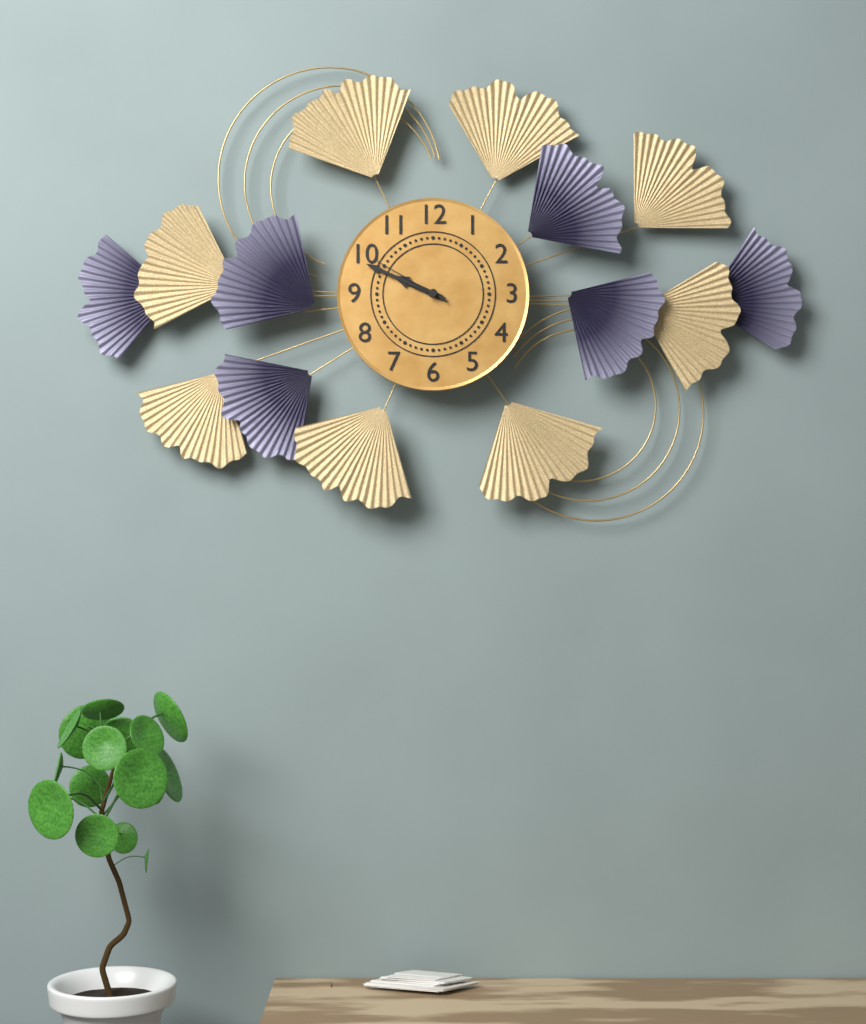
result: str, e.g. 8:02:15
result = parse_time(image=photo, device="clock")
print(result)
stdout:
9:49:50
